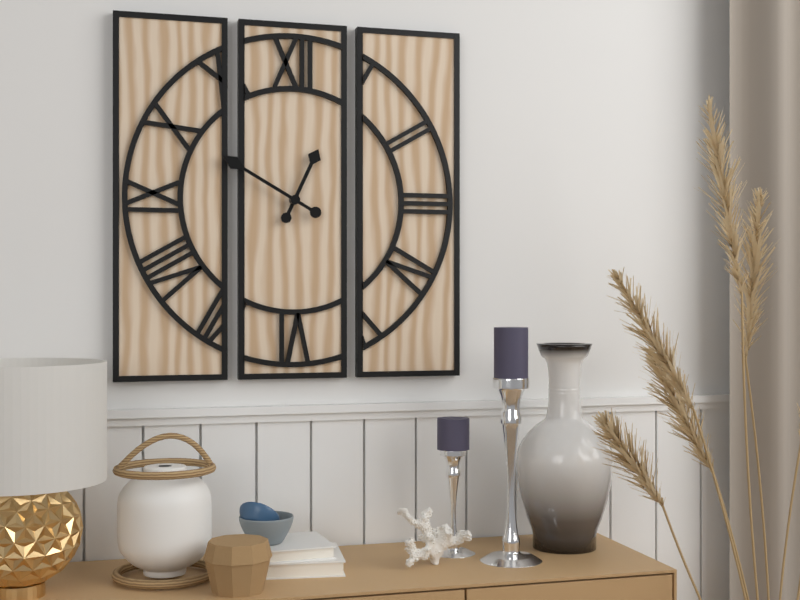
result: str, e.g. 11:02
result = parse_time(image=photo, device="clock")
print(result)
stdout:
12:50
